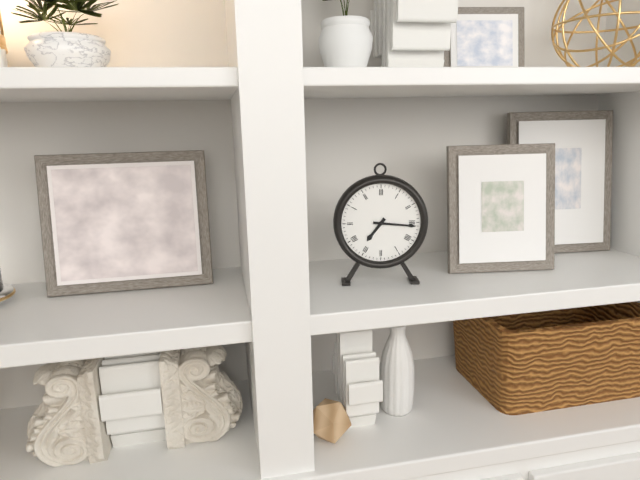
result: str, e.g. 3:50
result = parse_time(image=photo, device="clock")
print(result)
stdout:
7:16
